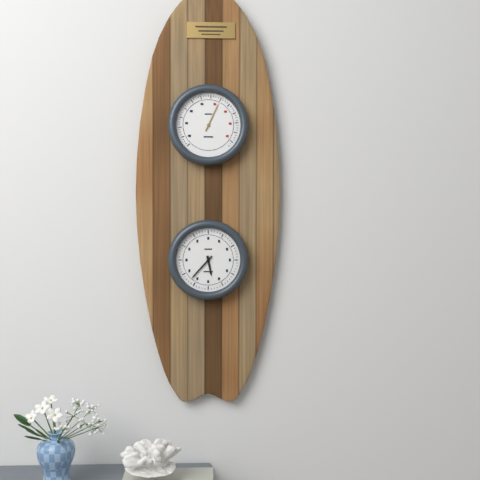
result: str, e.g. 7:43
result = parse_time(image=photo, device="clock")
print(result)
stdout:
5:37
